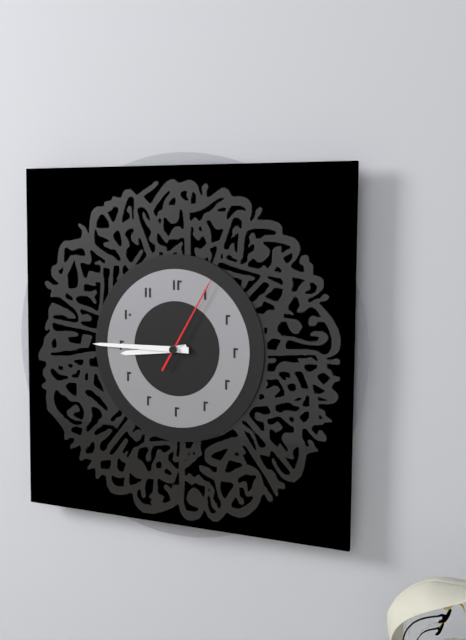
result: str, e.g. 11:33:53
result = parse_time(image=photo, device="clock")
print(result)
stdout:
8:45:05
